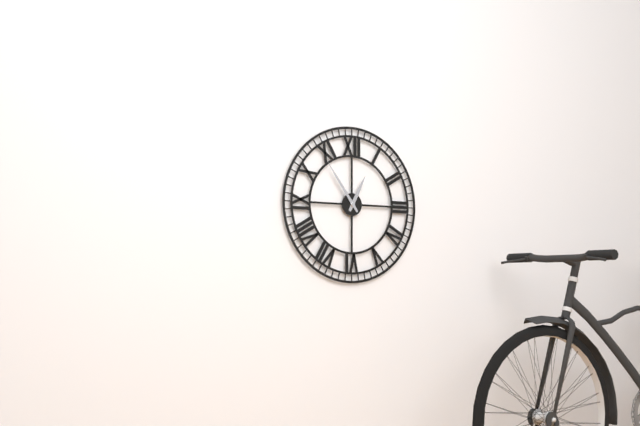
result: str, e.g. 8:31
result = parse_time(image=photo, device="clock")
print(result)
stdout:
12:54
